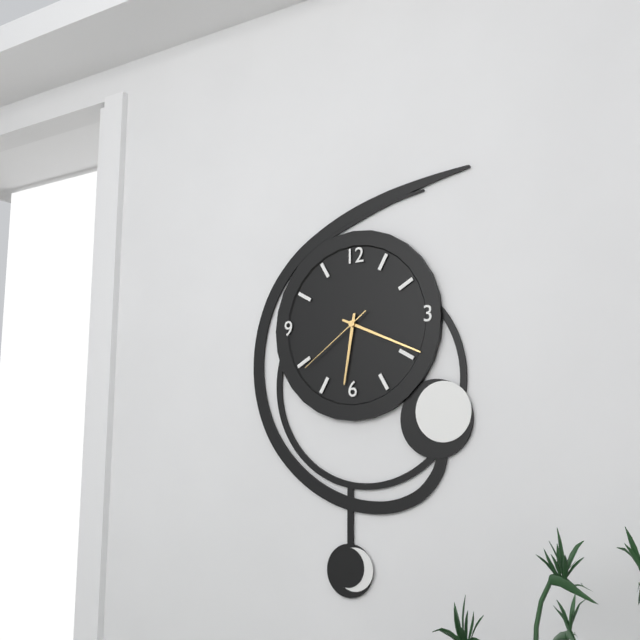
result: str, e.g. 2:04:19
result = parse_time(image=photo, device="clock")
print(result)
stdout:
6:19:39
